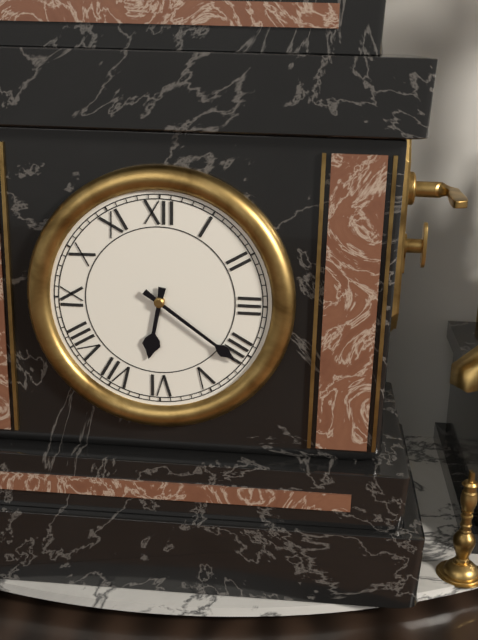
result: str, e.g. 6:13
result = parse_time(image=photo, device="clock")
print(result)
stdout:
6:21
